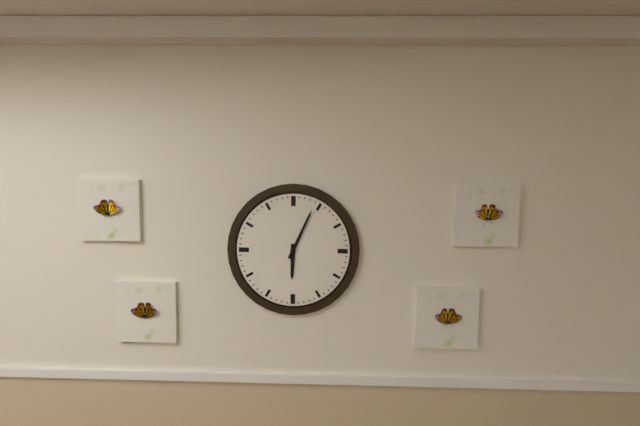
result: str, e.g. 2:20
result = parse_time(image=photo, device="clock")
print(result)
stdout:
6:04
